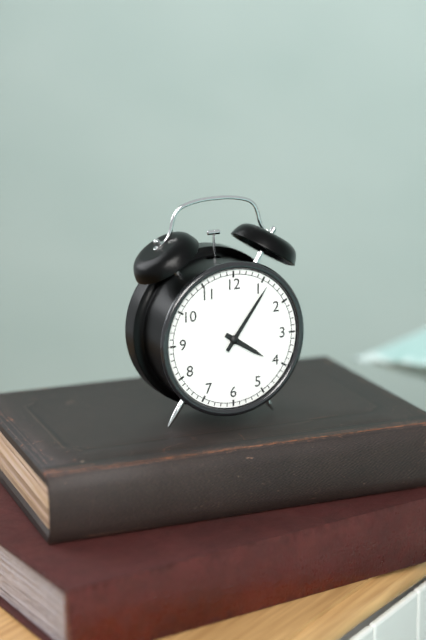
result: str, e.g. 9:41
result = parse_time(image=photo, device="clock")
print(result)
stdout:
4:06
